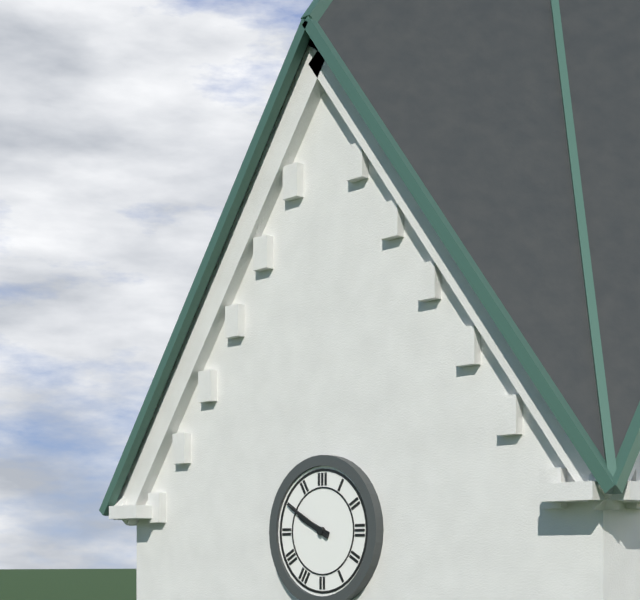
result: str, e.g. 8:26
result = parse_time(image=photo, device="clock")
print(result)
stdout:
9:50
